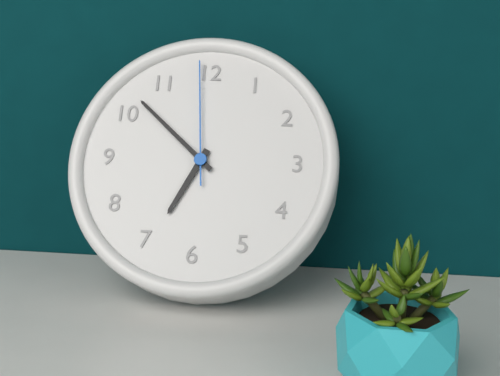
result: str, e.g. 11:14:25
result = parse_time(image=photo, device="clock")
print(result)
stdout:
6:52:59
